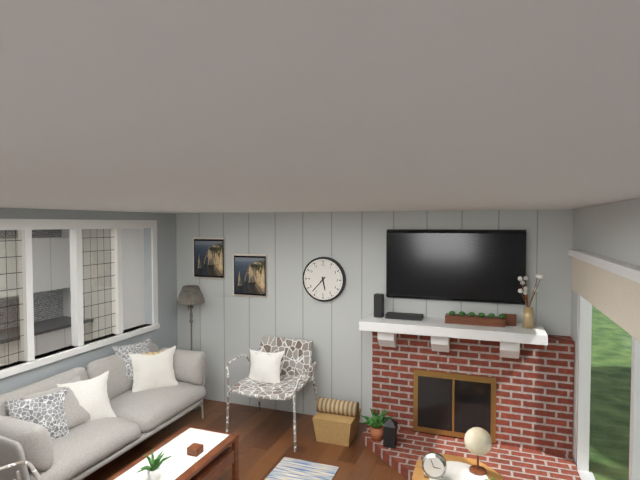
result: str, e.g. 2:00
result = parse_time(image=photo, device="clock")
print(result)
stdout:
5:37
